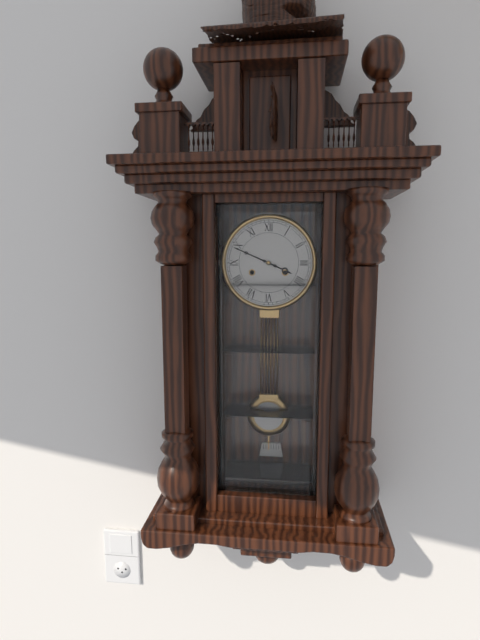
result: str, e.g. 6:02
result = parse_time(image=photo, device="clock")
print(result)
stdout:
3:49
